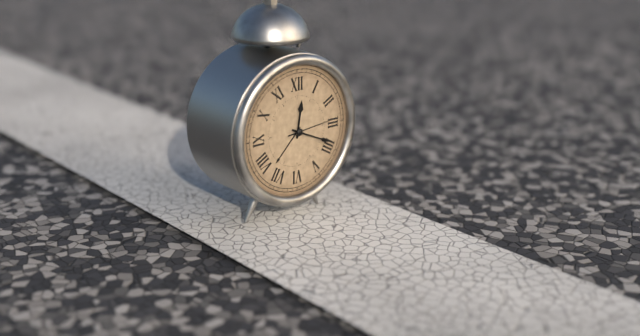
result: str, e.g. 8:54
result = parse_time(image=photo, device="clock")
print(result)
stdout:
12:19
